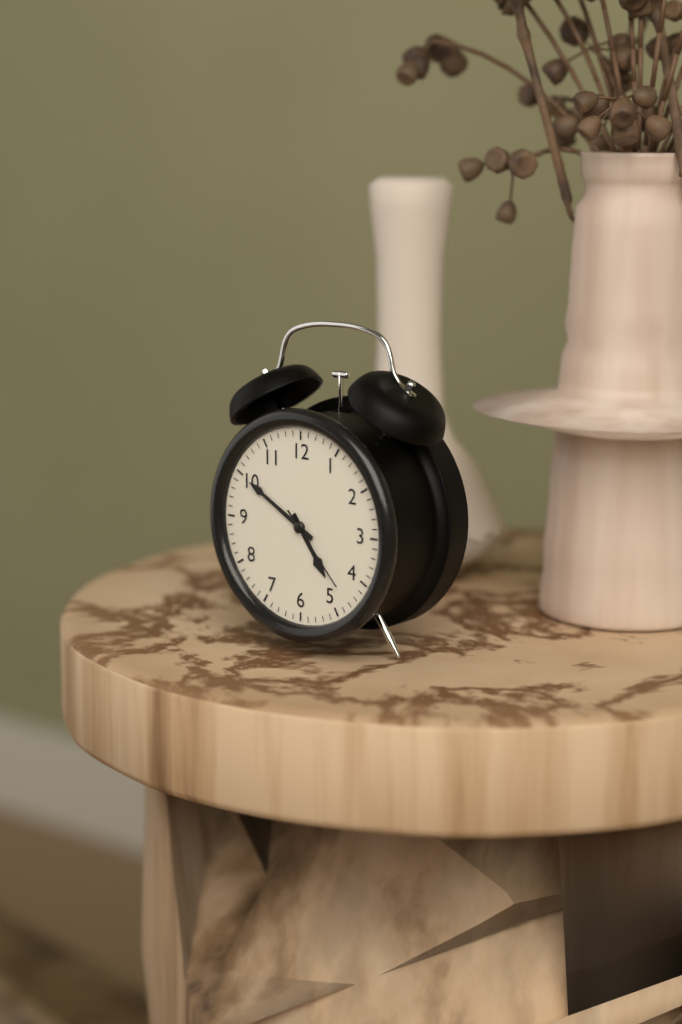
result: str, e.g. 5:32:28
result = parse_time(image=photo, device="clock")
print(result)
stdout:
4:50:23
